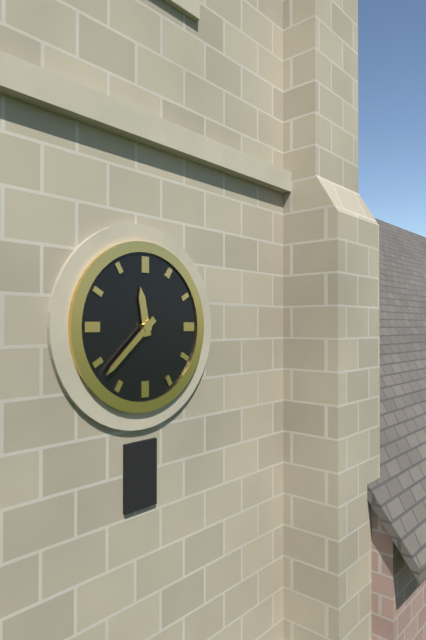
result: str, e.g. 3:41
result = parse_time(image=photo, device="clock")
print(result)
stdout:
11:38
